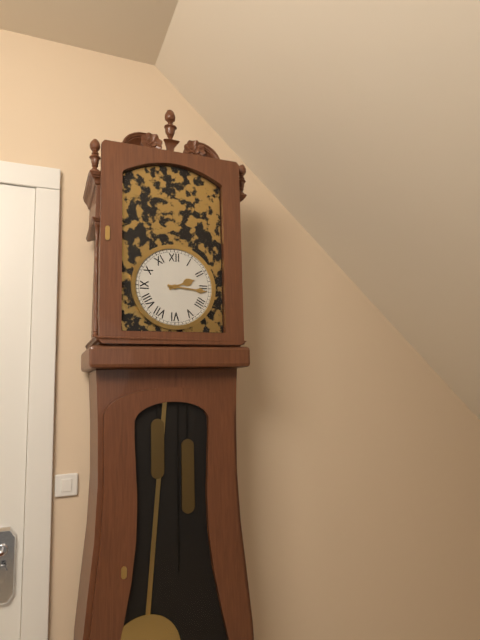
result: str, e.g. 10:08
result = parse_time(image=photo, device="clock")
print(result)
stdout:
2:16
